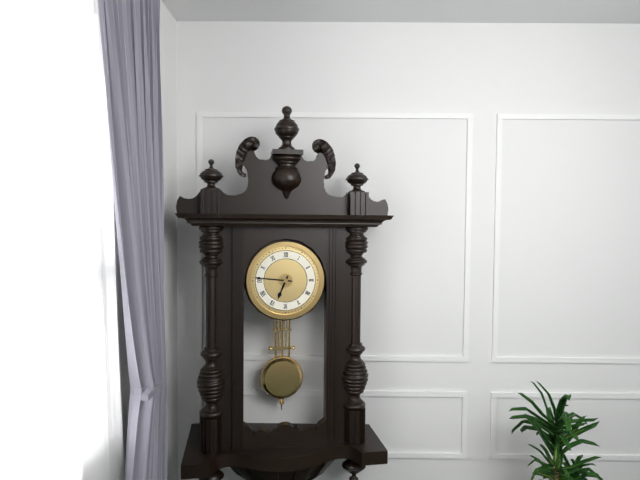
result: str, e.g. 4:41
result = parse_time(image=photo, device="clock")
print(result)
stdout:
6:46
